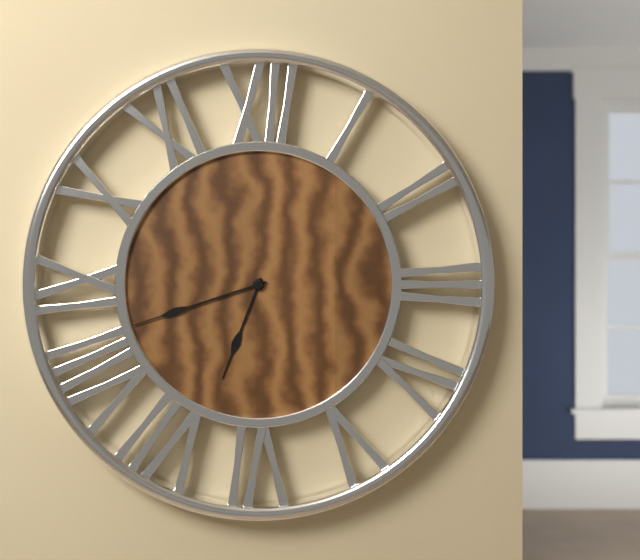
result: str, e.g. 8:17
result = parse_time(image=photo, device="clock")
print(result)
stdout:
6:42
